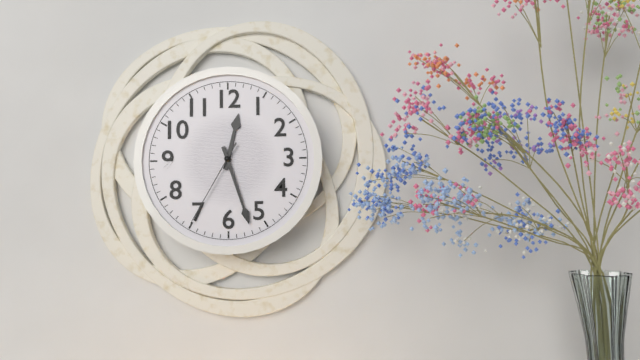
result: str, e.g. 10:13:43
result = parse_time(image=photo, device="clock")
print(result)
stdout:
12:27:35
